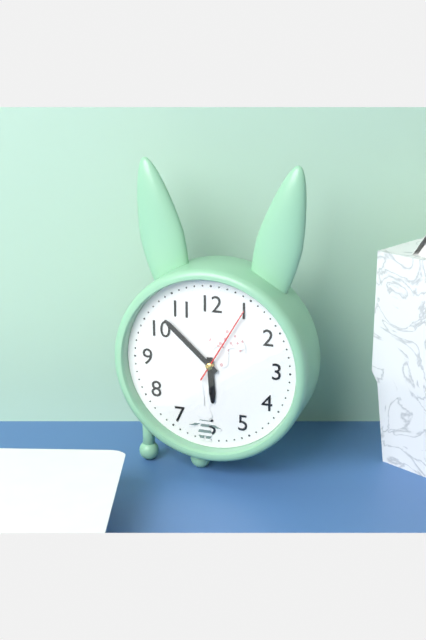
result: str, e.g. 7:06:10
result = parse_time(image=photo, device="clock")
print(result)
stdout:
5:52:05
